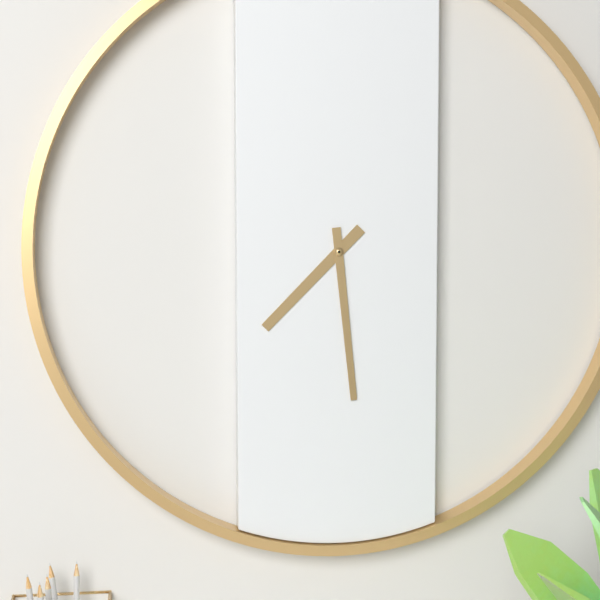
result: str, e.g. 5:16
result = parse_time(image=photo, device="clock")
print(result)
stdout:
7:29
